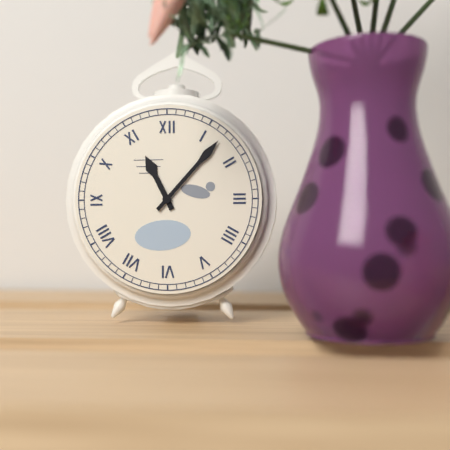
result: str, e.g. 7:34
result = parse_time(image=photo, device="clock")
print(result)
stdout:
11:07
